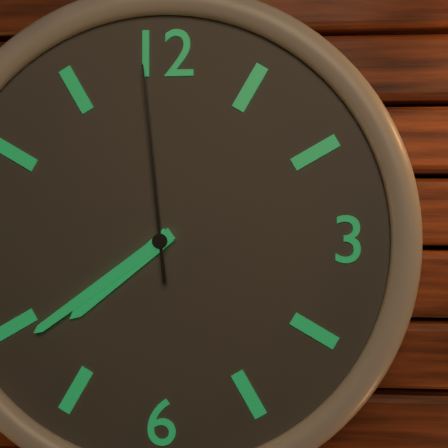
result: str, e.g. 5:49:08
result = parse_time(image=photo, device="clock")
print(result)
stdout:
7:39:59
